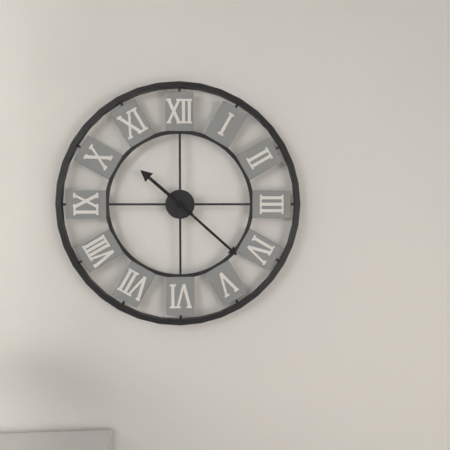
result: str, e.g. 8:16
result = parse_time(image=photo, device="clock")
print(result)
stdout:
10:22
